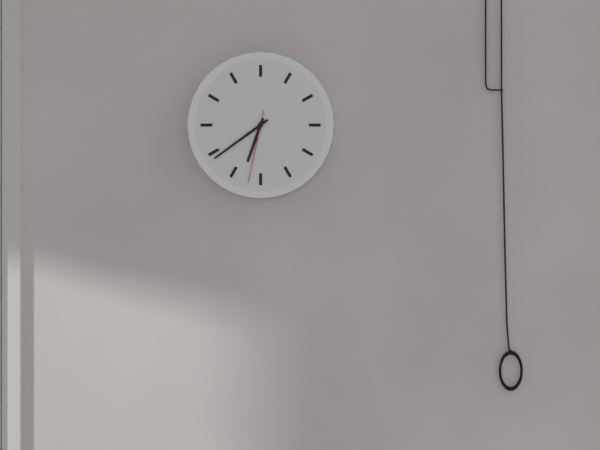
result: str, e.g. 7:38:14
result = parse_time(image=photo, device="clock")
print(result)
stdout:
6:39:32
